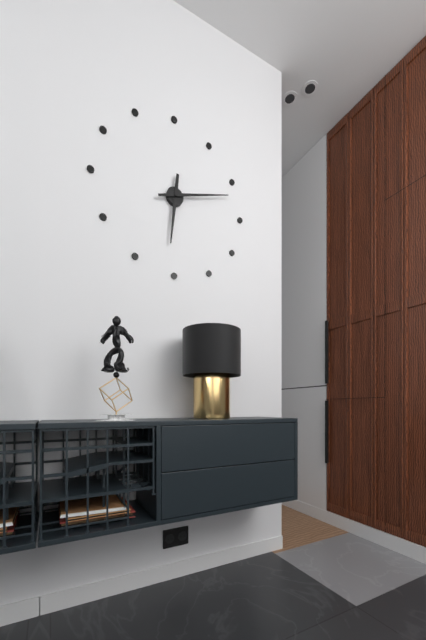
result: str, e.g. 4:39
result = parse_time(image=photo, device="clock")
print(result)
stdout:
6:12
